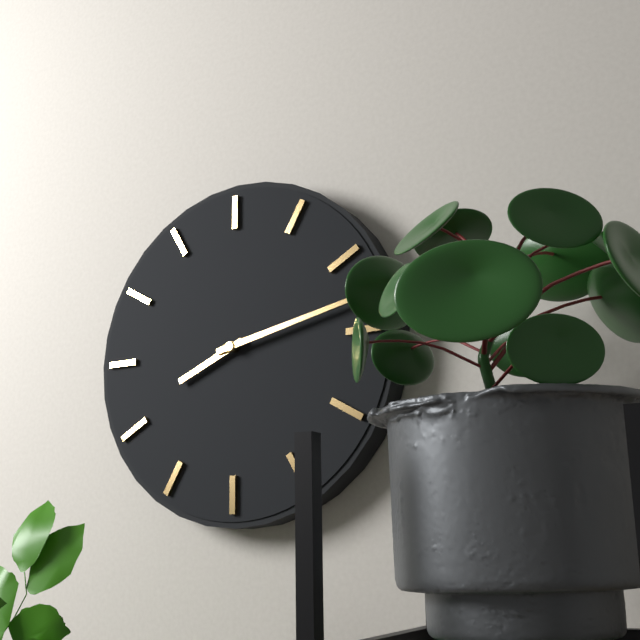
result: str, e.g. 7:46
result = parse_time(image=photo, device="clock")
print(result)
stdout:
8:13
